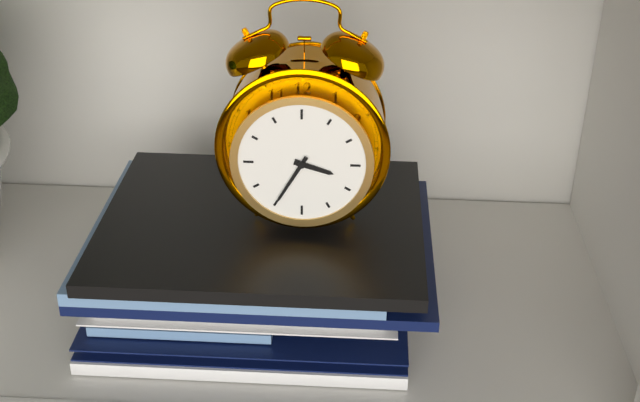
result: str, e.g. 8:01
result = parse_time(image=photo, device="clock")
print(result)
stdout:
3:35
